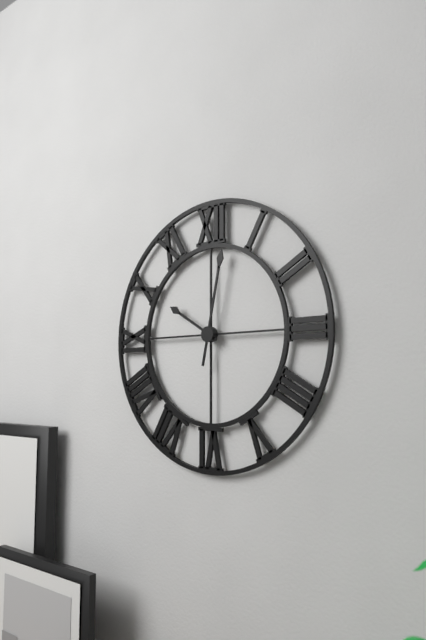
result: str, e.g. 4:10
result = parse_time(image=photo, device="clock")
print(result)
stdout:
10:02
